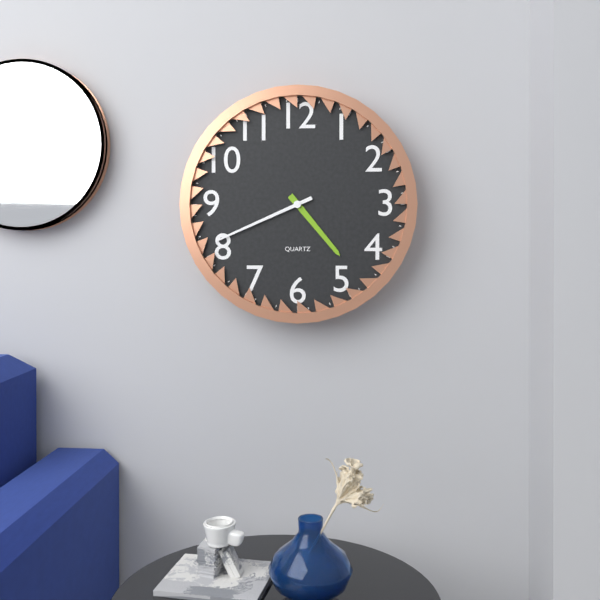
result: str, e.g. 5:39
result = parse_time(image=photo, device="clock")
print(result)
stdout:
4:41
